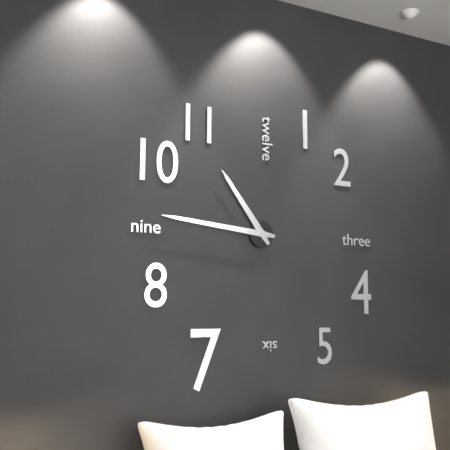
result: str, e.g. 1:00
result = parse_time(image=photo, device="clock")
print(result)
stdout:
10:46
